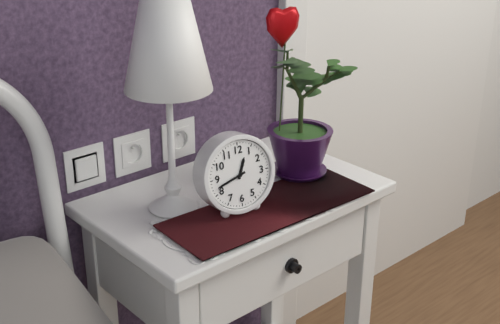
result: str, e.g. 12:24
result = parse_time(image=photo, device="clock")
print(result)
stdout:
12:42
